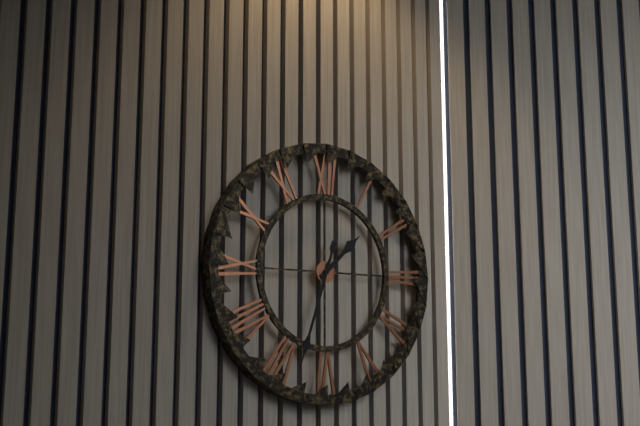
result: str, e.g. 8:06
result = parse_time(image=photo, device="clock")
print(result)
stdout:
1:33
